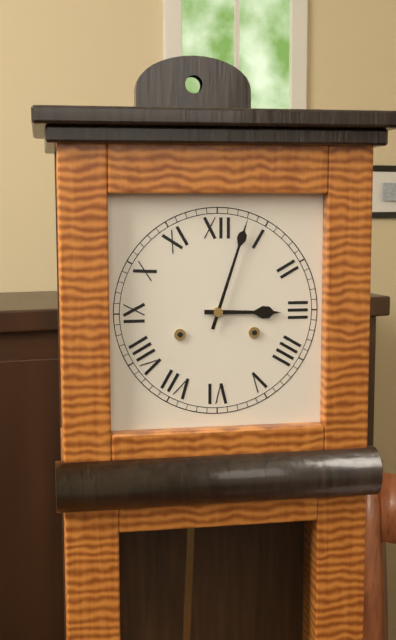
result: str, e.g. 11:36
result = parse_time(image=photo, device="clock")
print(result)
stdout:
3:03
